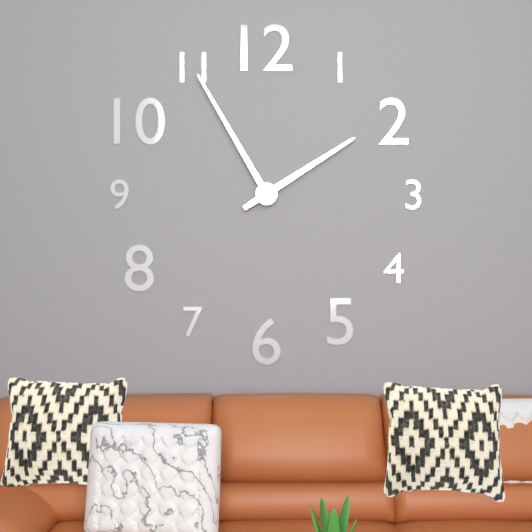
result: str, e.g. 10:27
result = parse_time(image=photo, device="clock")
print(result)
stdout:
1:55
